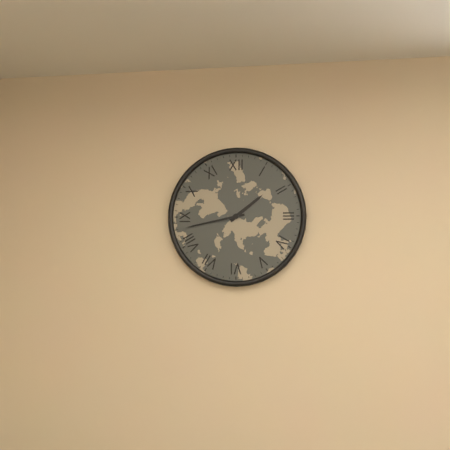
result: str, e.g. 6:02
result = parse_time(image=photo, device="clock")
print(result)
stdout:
1:43
